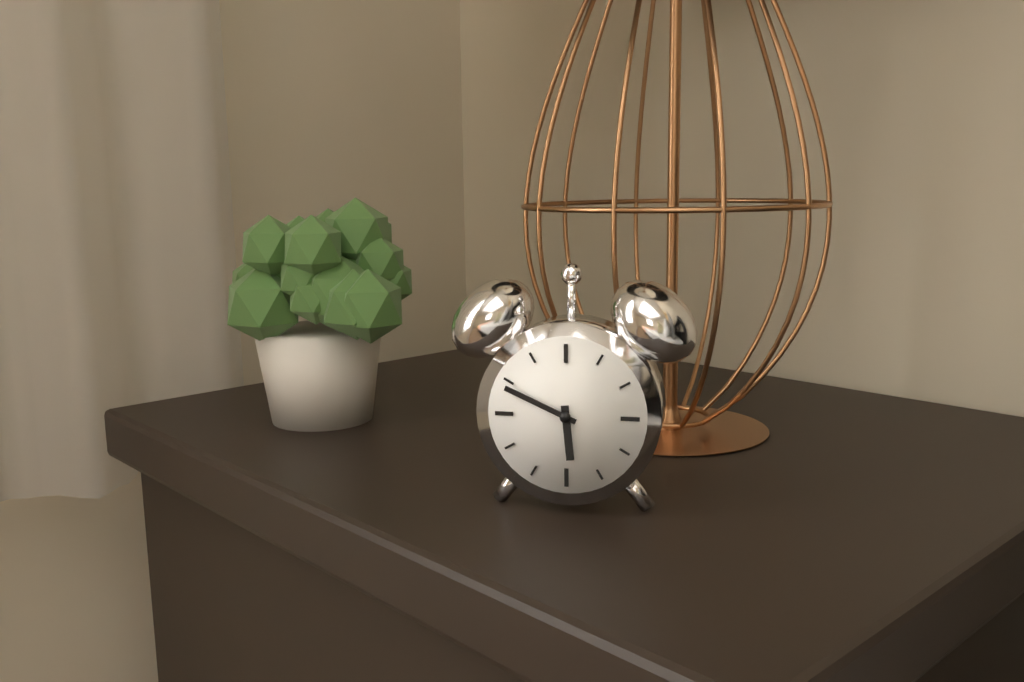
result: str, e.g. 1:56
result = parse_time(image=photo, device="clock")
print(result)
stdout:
5:49
